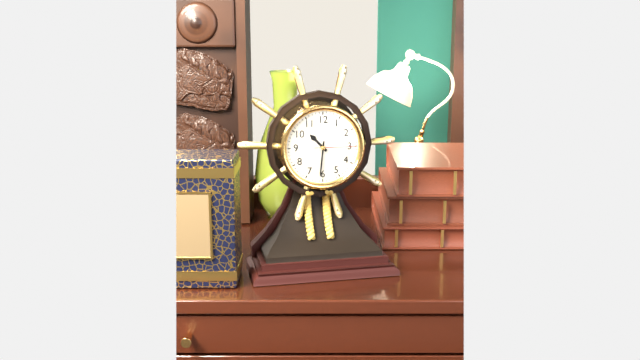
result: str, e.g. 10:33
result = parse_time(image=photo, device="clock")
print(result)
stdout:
10:31
